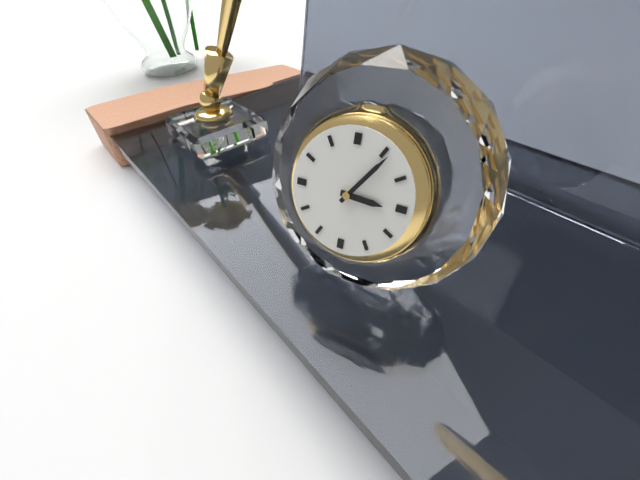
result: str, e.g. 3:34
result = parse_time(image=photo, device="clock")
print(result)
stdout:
3:06
